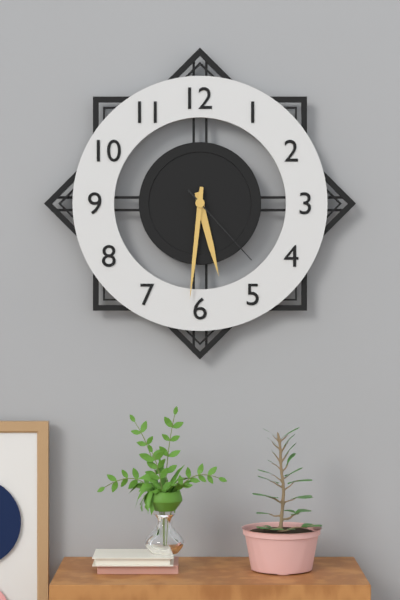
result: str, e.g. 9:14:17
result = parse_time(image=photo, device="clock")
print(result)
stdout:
5:31:23
